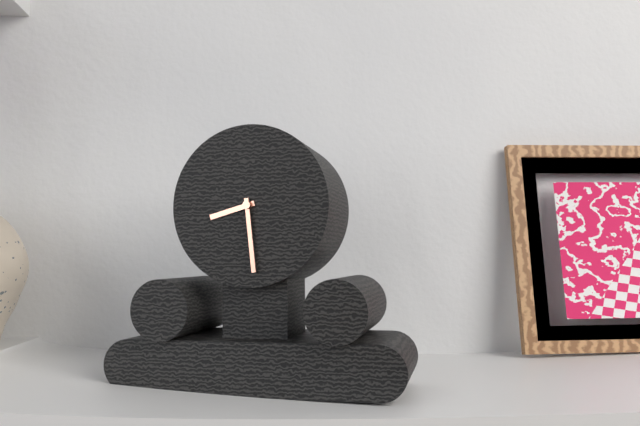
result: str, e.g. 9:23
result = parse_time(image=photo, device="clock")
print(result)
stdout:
8:29
